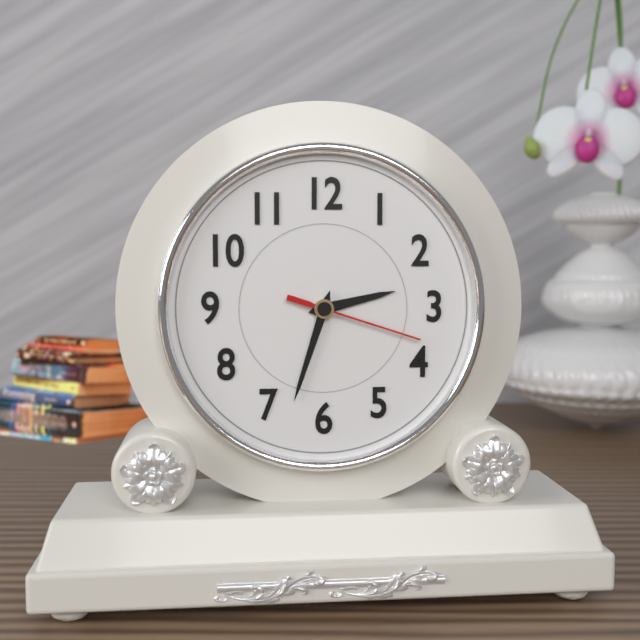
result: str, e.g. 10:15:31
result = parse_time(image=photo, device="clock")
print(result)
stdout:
2:33:18
